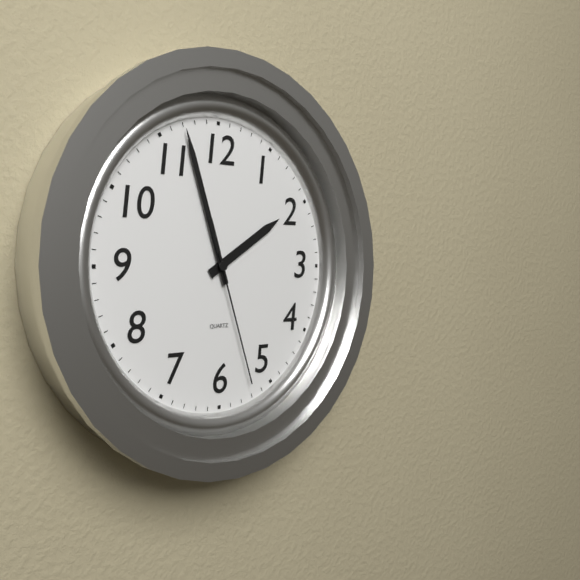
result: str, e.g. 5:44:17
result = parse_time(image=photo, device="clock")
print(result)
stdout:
1:57:27
